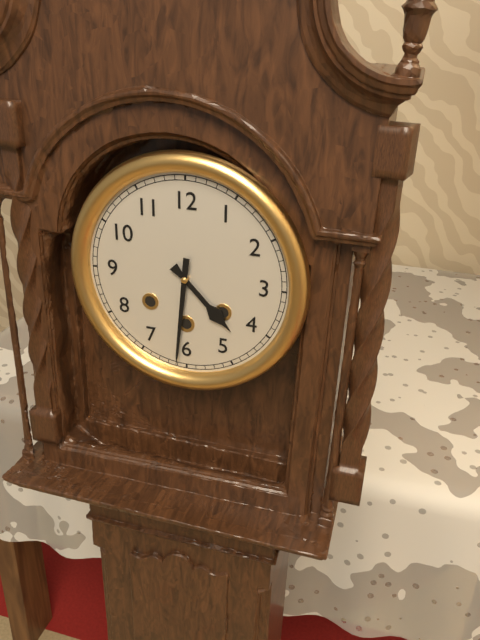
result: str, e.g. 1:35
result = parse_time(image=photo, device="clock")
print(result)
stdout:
4:31
